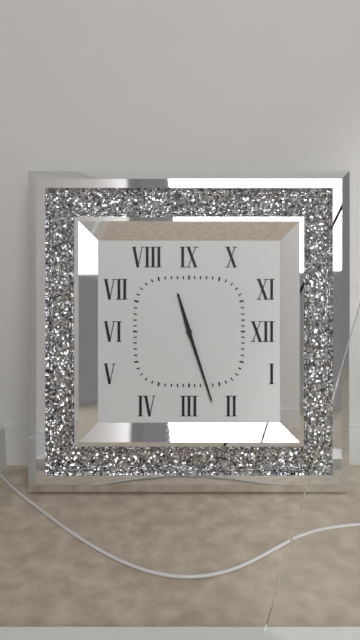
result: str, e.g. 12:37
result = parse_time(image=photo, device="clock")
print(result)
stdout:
11:27
